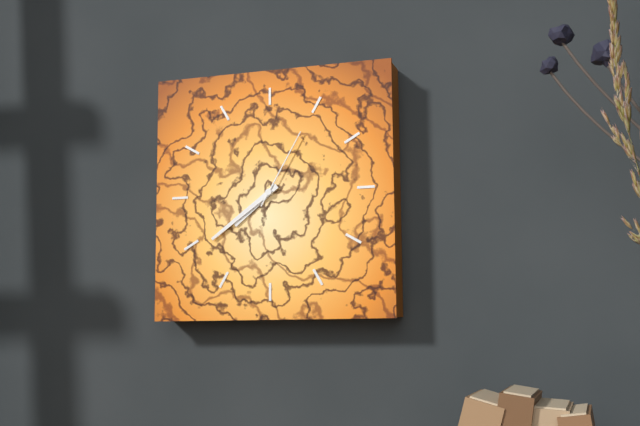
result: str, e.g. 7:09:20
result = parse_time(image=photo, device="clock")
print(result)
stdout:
7:39:05
